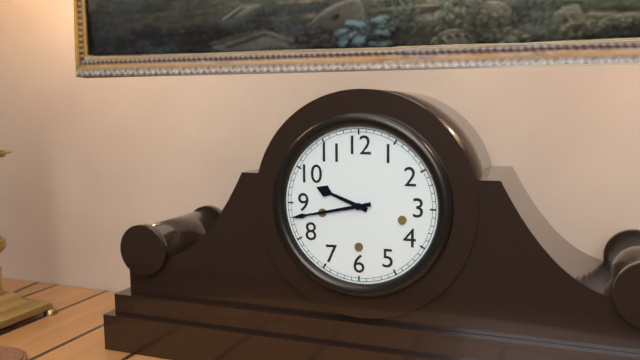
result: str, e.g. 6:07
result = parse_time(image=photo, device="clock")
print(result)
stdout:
9:43
